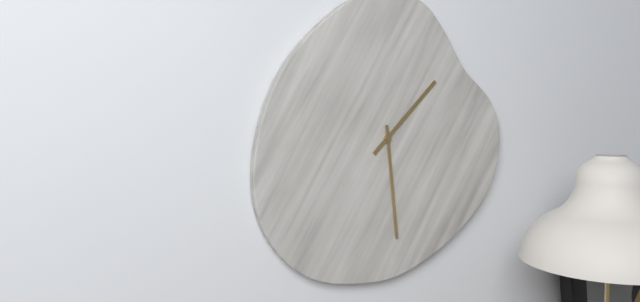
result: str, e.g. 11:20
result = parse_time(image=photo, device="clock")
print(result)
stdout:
1:29
